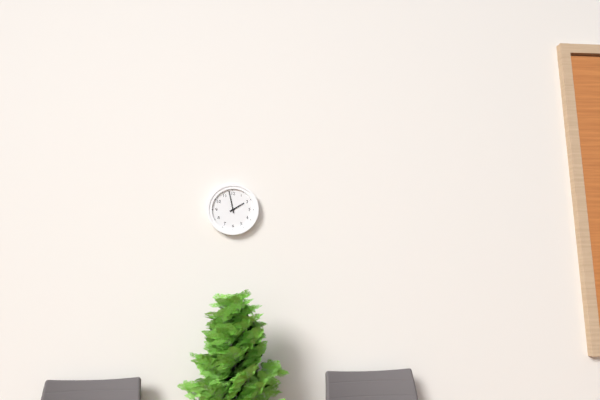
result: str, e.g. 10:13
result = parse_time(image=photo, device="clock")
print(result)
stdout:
1:58
